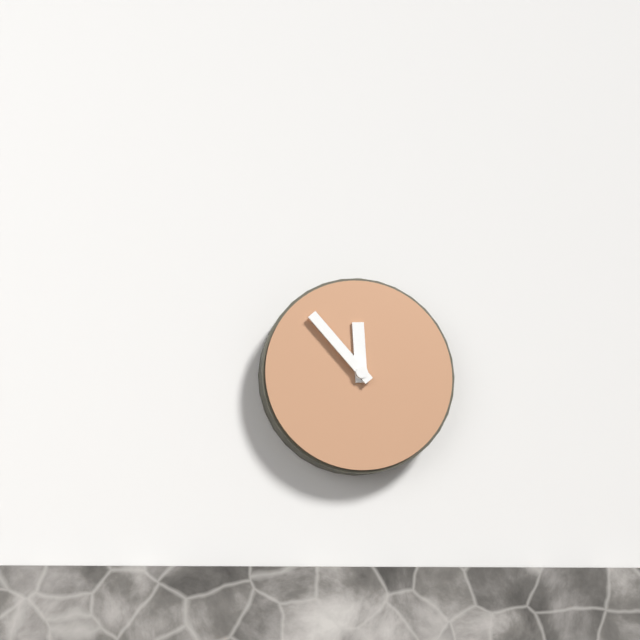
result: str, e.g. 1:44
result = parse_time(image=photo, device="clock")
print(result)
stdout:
11:53
